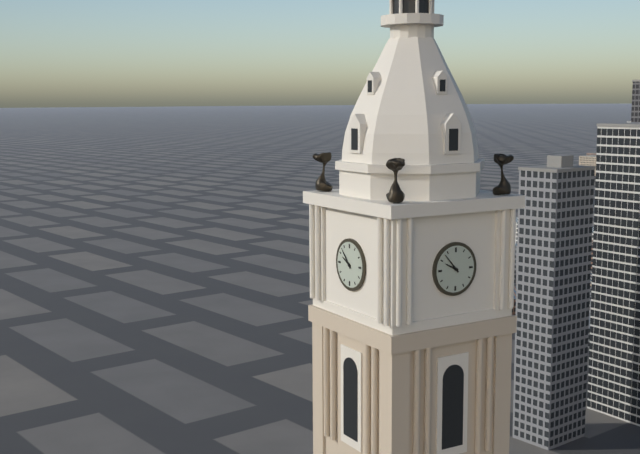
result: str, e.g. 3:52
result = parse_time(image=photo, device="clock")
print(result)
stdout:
9:53
